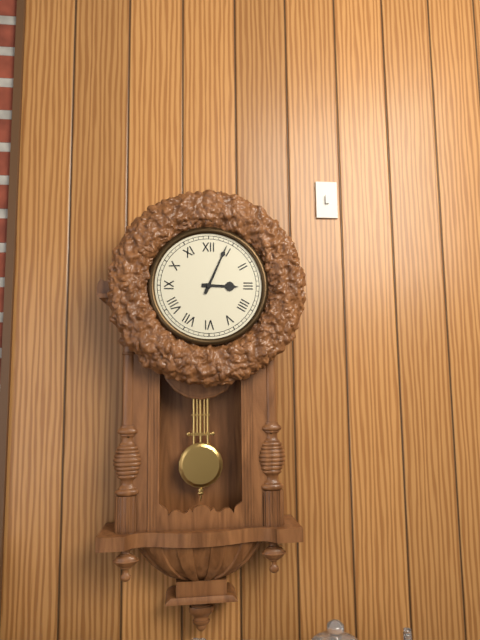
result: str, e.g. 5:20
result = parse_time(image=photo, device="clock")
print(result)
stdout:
3:04
